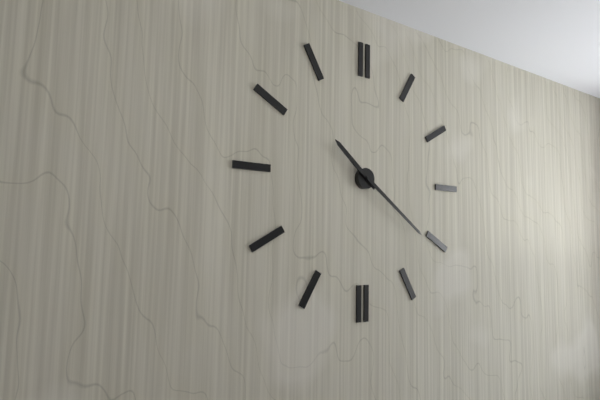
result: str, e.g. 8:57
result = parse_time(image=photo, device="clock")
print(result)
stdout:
10:21
